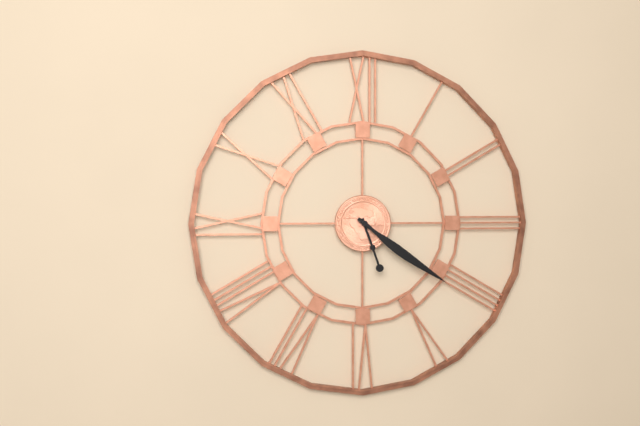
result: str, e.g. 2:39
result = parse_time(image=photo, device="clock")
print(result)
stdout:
5:21
